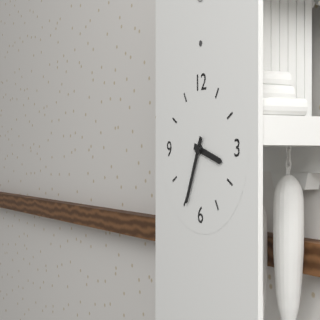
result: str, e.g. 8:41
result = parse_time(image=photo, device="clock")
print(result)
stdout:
3:34
